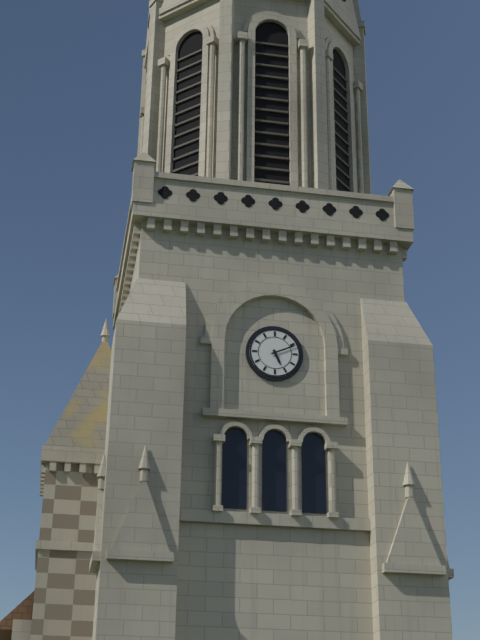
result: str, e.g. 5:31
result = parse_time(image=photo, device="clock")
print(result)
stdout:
5:11
